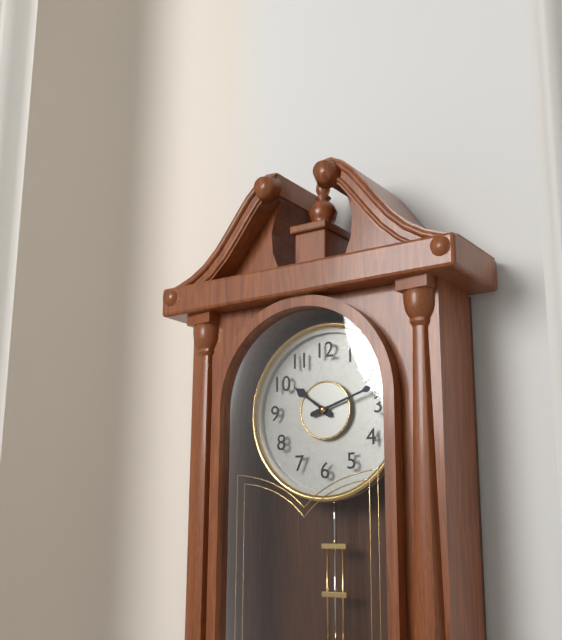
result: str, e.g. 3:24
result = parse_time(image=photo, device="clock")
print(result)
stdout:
10:12
